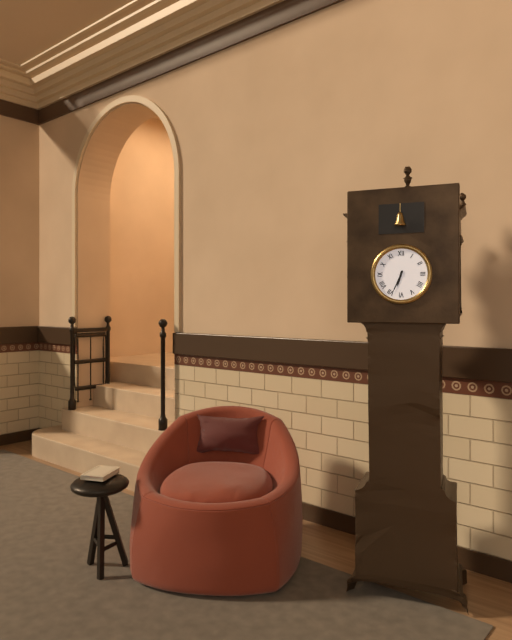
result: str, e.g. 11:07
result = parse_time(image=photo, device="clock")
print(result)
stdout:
6:34
